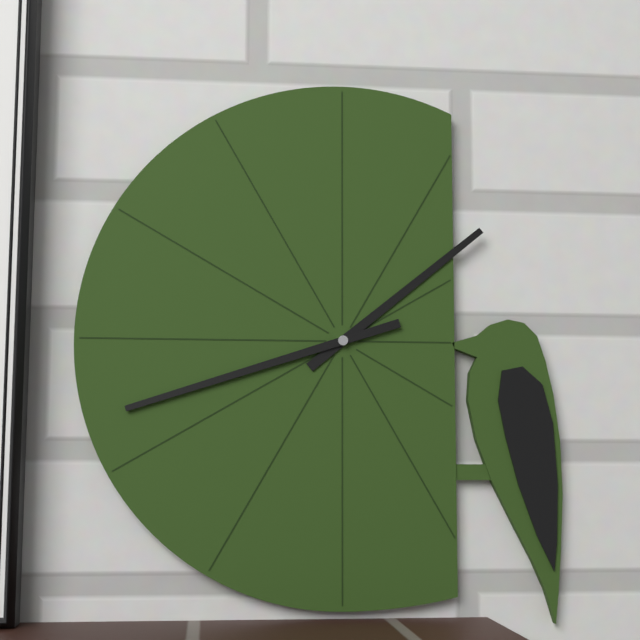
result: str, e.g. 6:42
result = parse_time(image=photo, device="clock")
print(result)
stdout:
1:42
